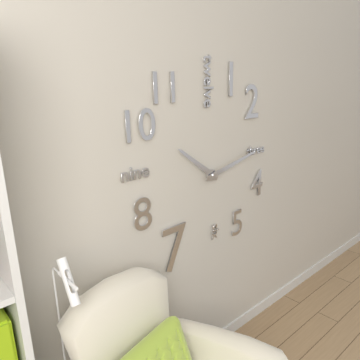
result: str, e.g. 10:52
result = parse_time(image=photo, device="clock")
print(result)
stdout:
10:13
